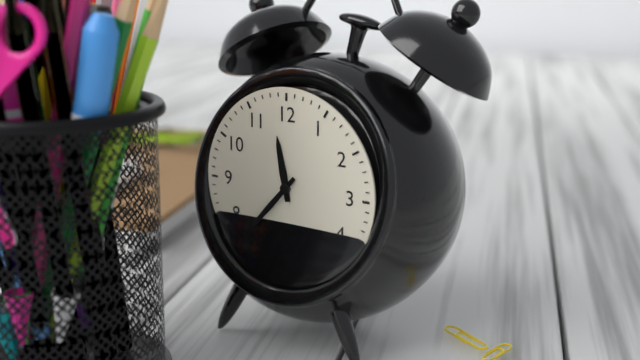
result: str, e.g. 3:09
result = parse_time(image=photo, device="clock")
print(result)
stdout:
11:37
